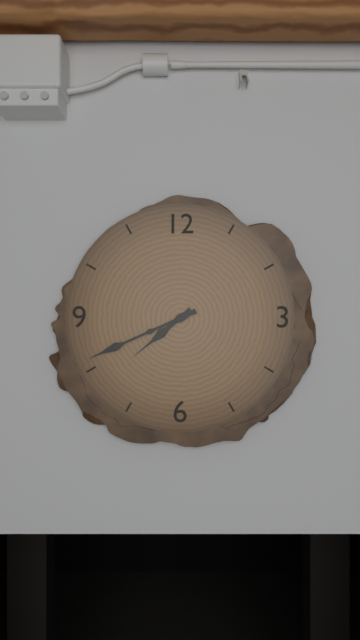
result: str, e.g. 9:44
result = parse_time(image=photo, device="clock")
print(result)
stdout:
7:41
